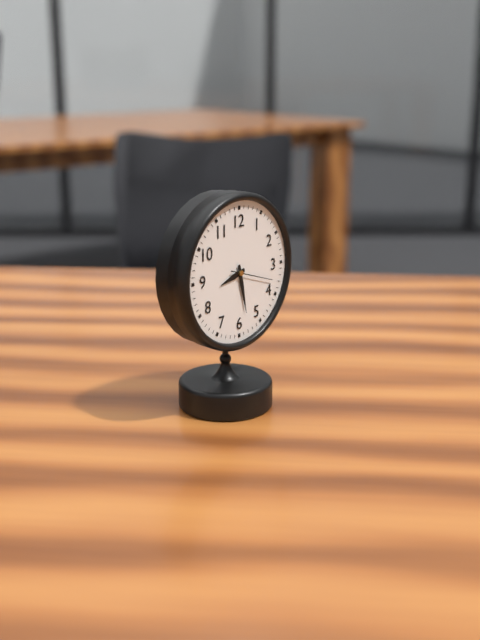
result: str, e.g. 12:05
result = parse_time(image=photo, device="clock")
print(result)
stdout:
8:28
